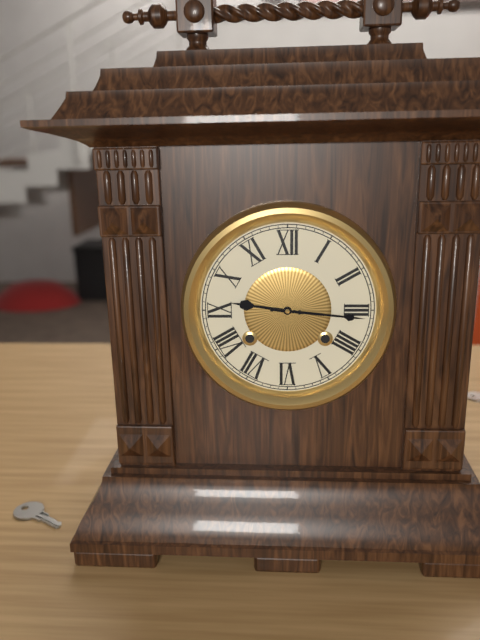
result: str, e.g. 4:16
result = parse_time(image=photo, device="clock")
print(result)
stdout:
9:16
